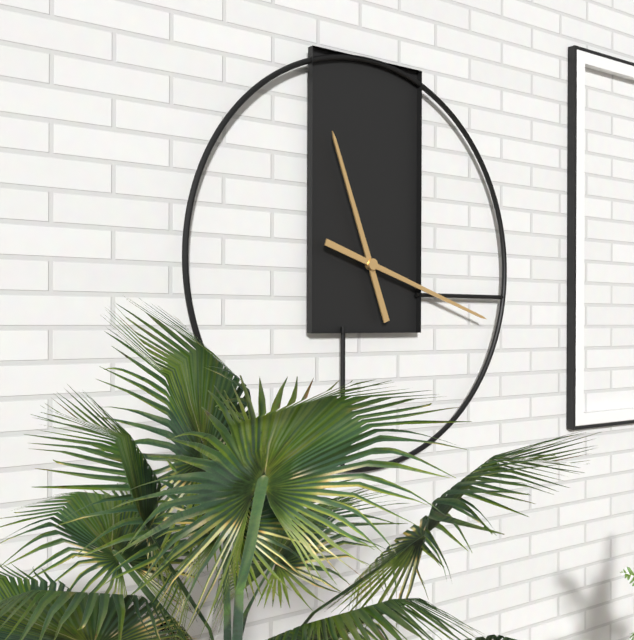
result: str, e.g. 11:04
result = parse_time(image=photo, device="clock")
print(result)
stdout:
11:18
